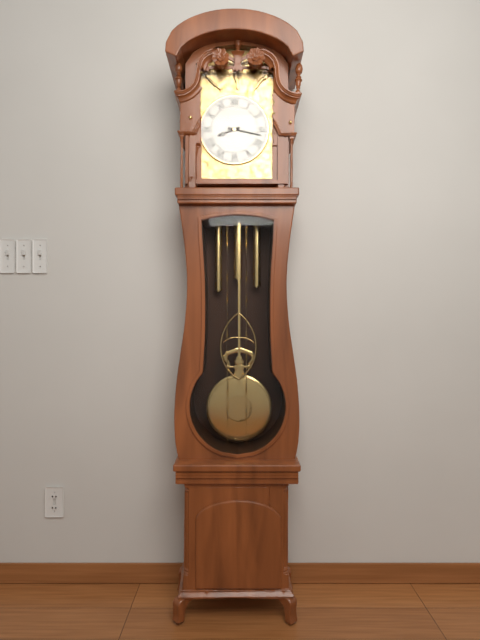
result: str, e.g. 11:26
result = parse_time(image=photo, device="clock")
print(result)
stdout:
8:17
